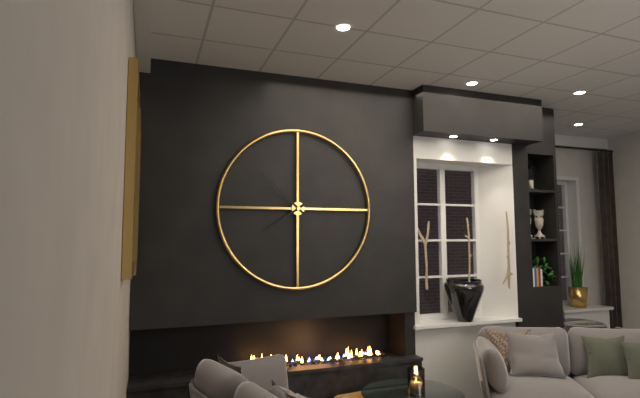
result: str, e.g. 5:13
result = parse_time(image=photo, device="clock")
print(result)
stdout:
7:52
